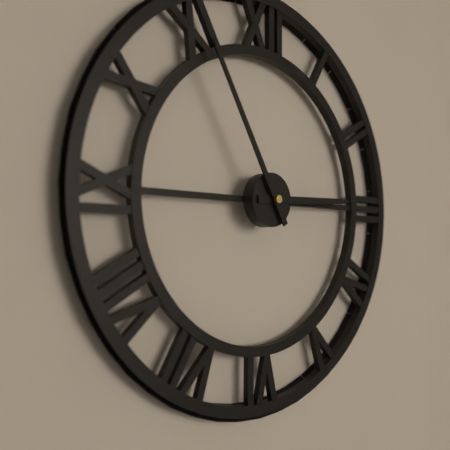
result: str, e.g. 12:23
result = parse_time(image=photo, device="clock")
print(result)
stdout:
2:55
